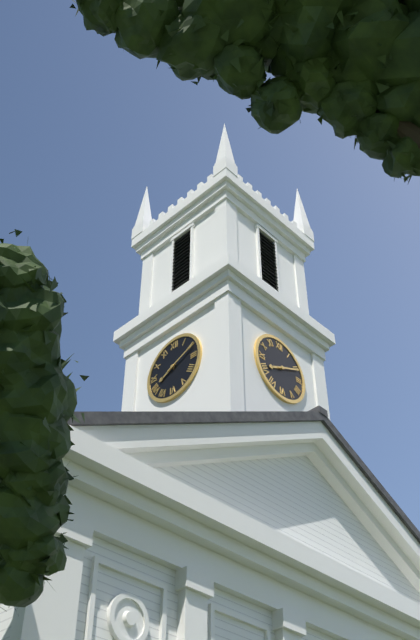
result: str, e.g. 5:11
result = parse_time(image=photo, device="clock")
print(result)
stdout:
8:11
